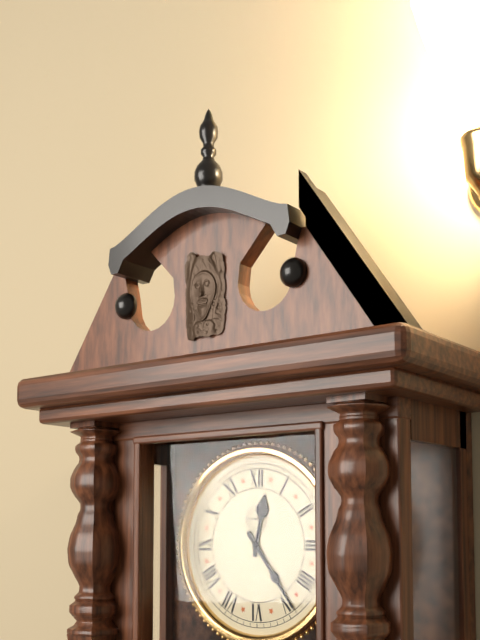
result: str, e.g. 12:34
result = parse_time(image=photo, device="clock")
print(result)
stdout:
12:24
